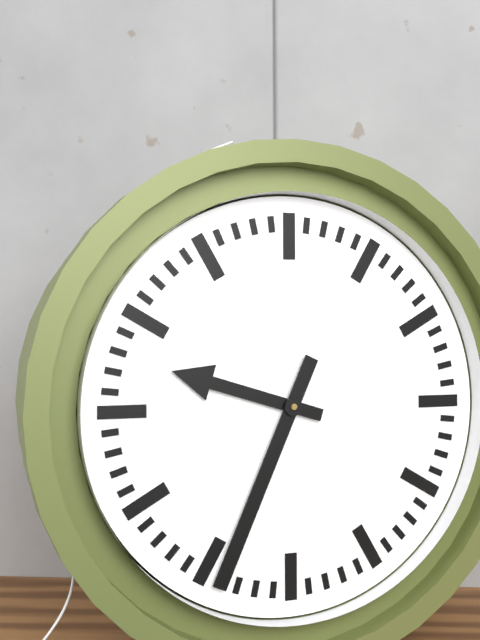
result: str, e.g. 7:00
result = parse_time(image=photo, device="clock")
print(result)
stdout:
9:34
